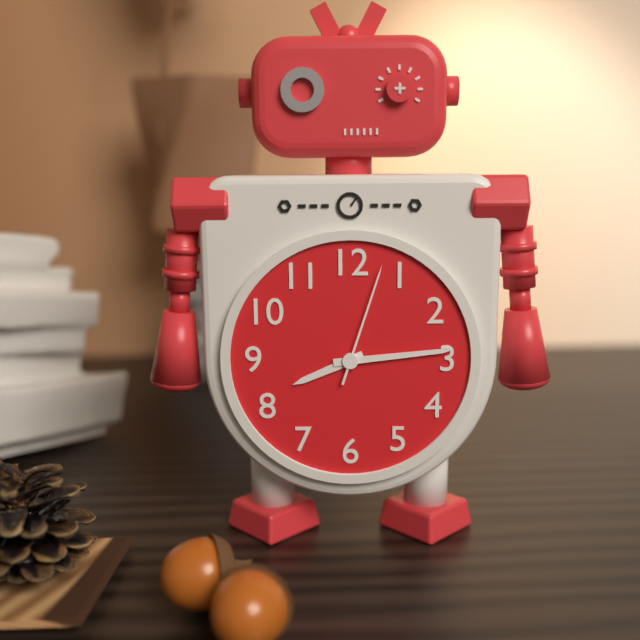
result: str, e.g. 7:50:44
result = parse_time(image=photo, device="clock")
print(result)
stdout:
8:14:03
